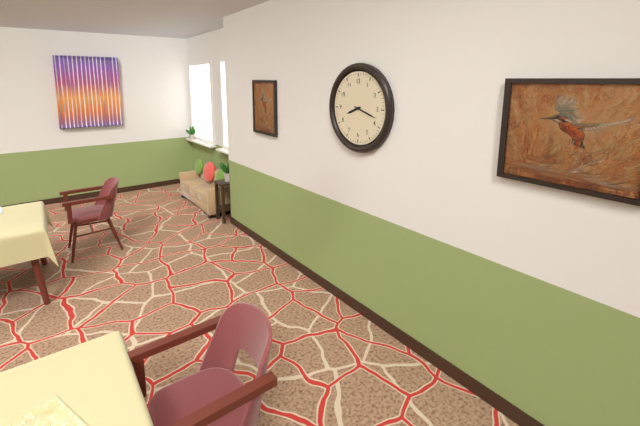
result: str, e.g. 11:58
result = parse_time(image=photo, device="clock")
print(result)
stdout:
8:18
